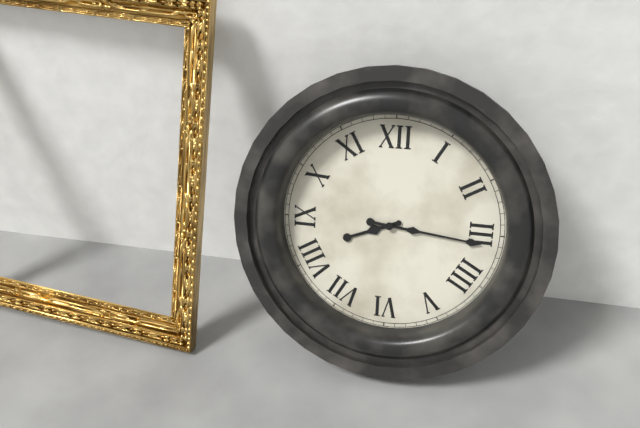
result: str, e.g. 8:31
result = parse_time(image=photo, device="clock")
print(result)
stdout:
8:16
